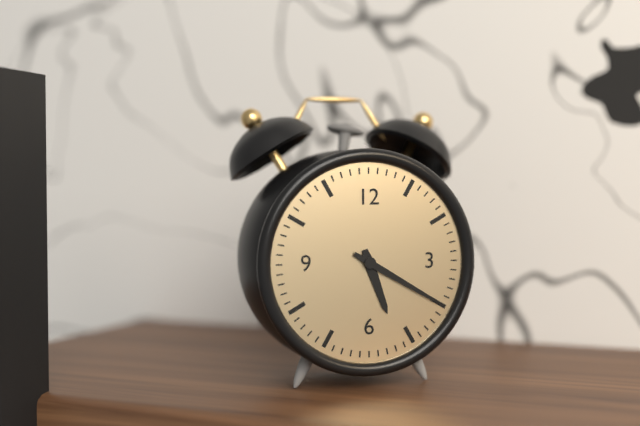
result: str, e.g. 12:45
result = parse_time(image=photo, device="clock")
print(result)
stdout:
5:20
